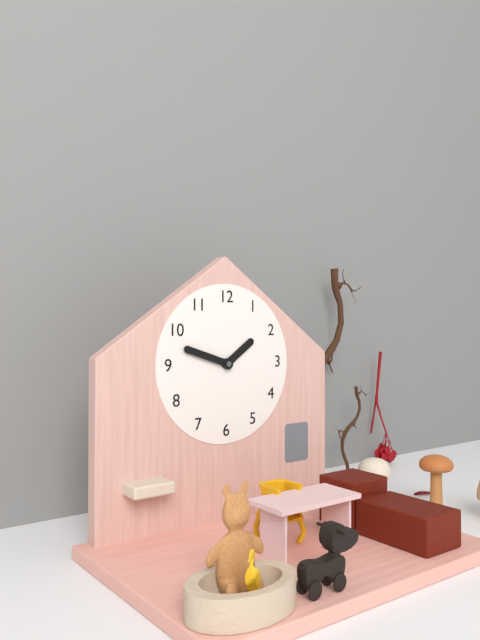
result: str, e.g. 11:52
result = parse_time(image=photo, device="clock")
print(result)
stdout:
1:48
